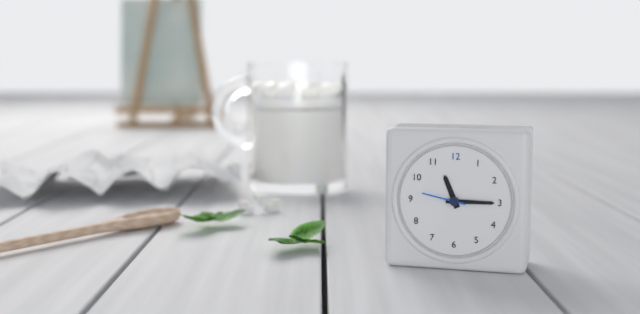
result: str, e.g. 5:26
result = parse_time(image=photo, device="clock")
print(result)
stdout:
11:15
